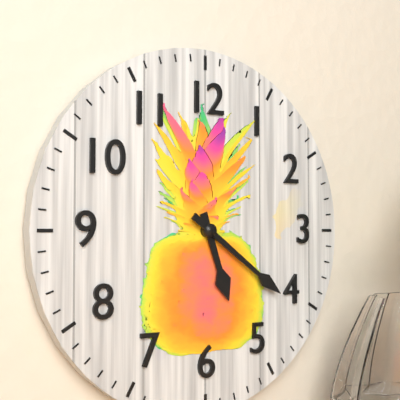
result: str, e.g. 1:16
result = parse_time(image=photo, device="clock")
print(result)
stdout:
5:21
